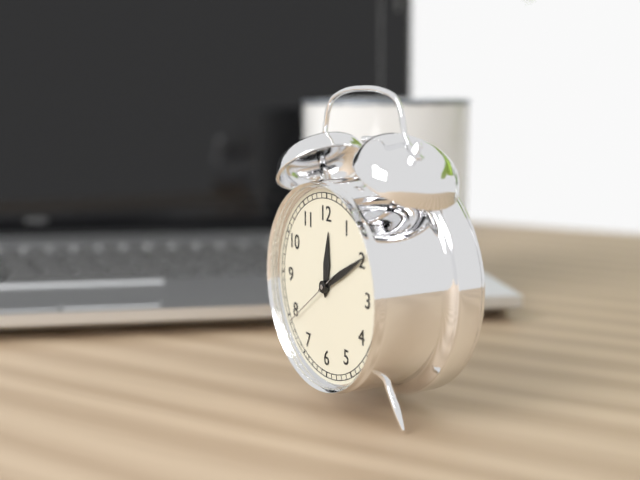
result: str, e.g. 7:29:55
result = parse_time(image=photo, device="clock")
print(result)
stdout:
12:10:39
